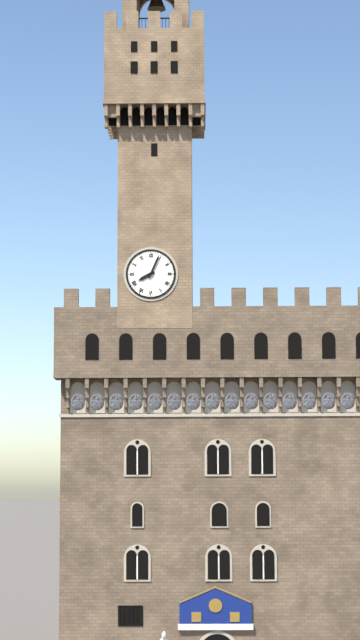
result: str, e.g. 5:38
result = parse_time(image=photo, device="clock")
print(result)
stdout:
8:04
